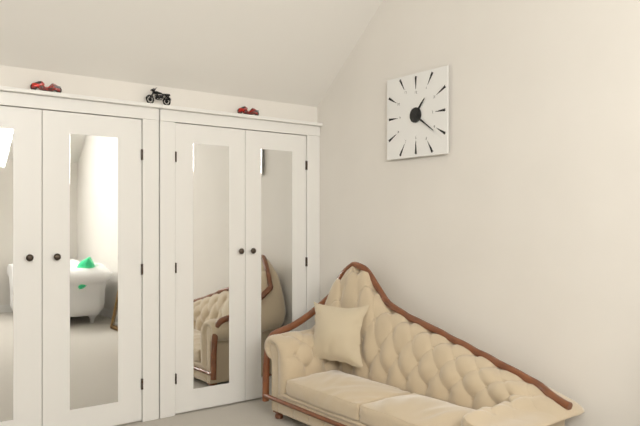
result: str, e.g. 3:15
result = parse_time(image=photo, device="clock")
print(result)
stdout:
1:21
